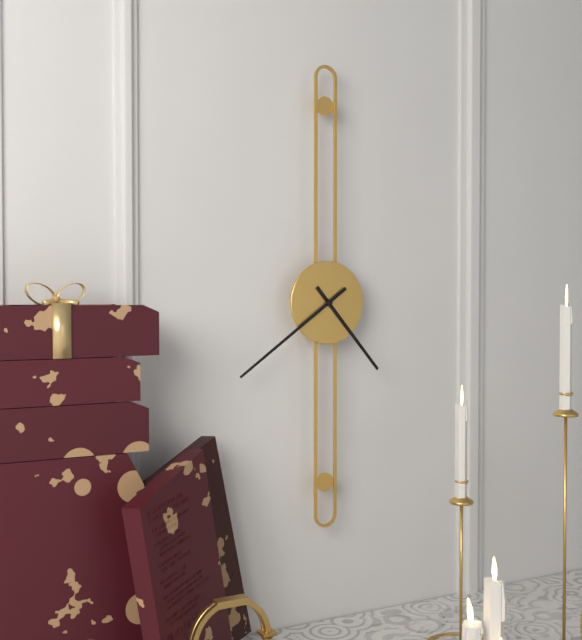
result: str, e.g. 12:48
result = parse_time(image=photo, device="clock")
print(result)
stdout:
4:39
